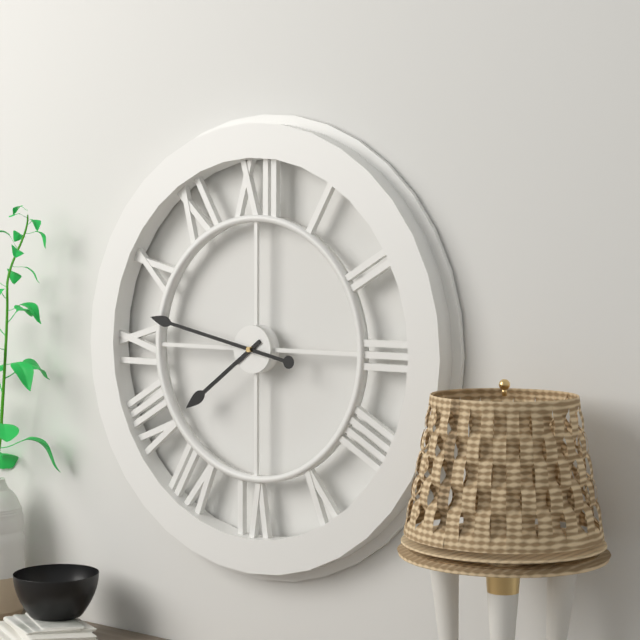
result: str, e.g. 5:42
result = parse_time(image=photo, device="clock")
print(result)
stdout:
7:47
